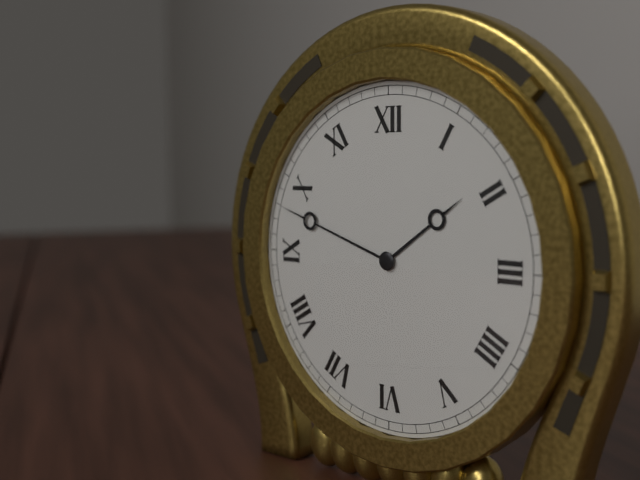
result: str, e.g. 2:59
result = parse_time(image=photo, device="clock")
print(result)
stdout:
1:48
